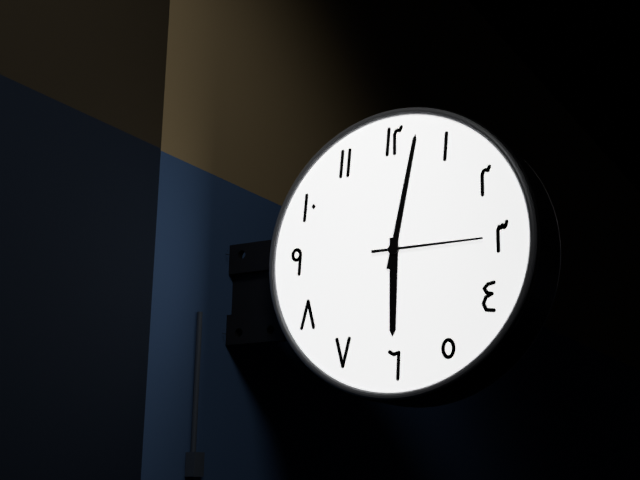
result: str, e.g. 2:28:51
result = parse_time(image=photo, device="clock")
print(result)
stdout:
6:02:15
